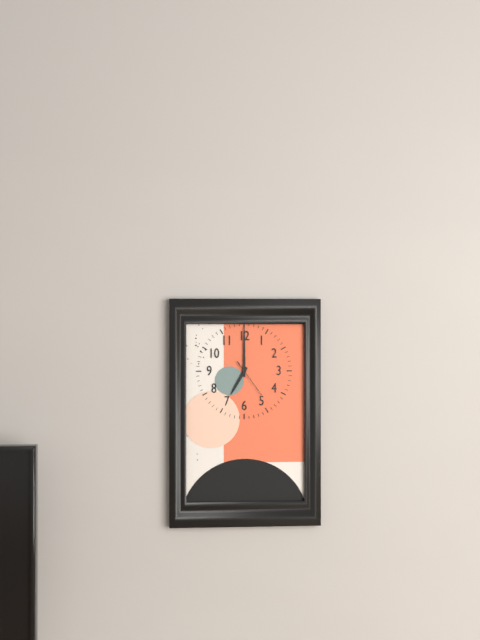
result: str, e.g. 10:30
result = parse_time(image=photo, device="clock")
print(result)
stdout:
7:00
